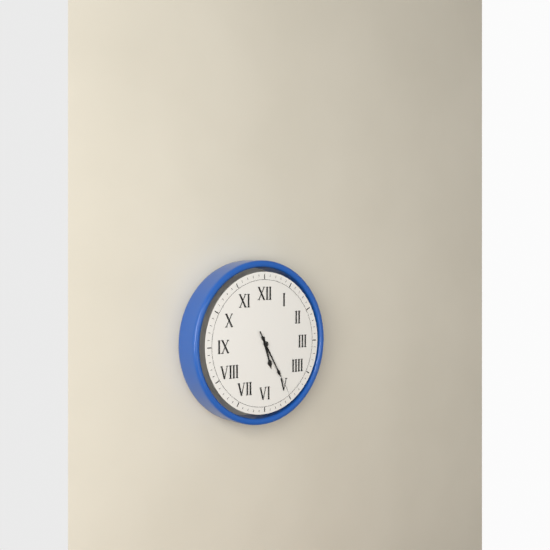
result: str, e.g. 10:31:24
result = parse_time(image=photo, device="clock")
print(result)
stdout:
5:25:25
